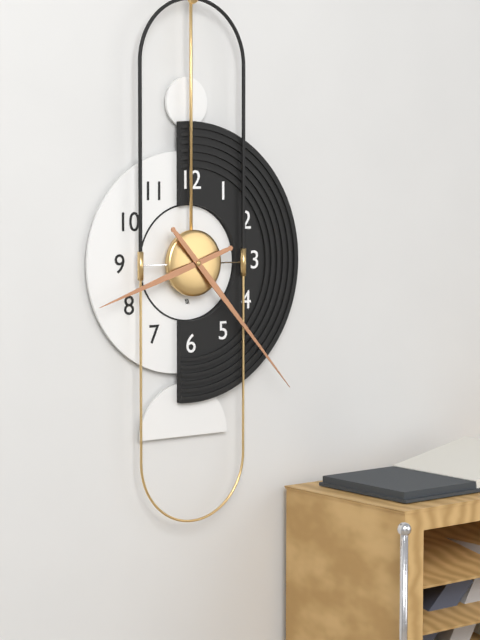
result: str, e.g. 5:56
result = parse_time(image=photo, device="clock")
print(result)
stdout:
8:23
